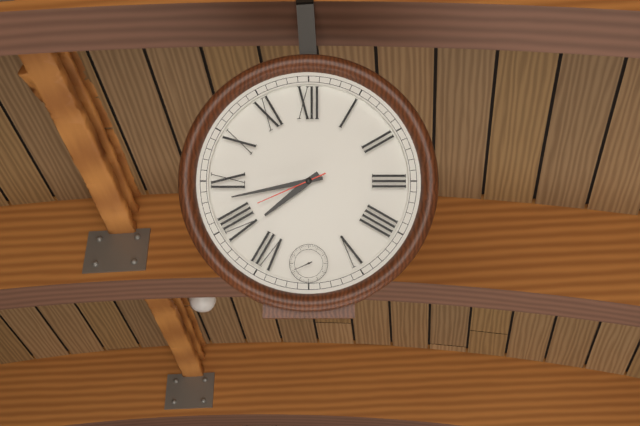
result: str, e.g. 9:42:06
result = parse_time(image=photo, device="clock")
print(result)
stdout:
7:43:41
